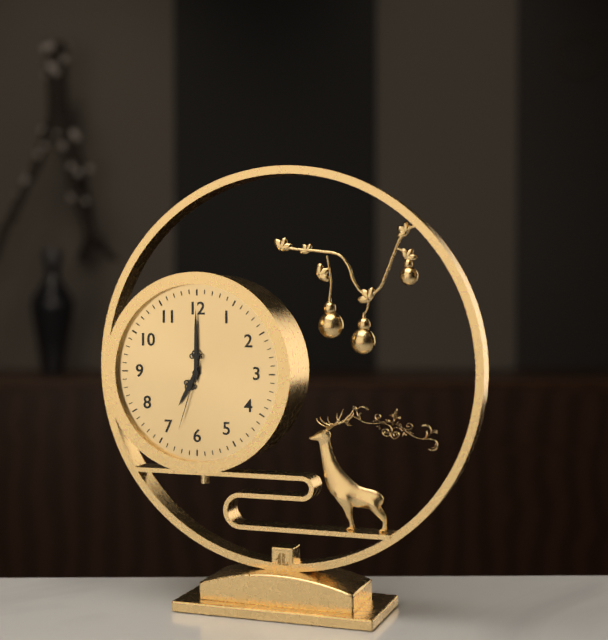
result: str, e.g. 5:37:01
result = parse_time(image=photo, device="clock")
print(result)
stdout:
7:00:33
